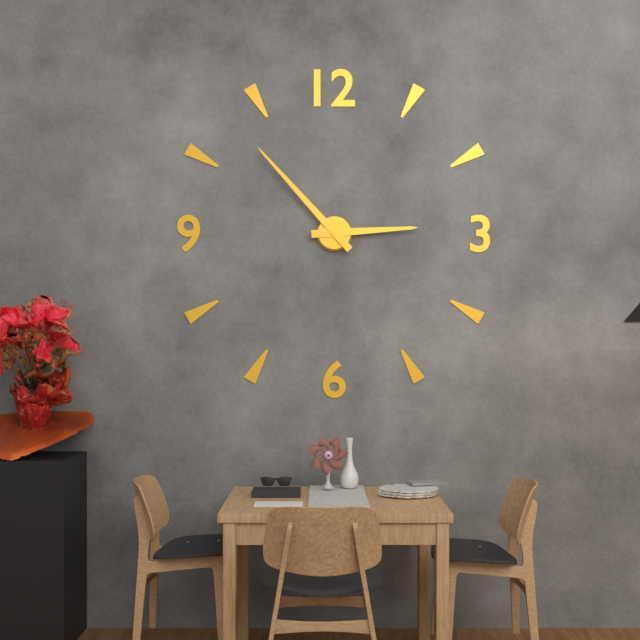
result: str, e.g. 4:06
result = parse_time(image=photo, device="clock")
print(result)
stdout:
2:53
